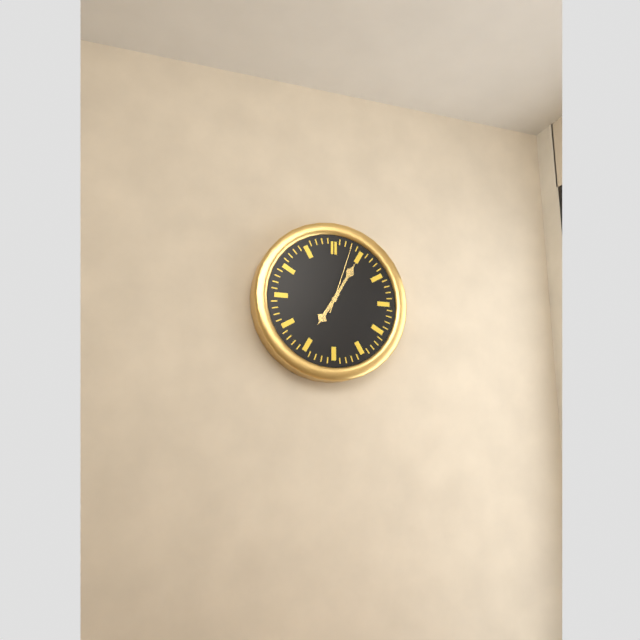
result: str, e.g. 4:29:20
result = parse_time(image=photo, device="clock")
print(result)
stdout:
7:05:03
